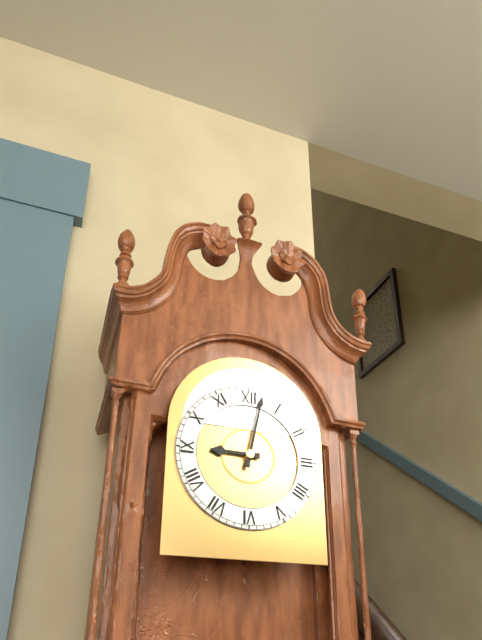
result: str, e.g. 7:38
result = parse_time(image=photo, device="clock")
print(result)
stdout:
9:02
